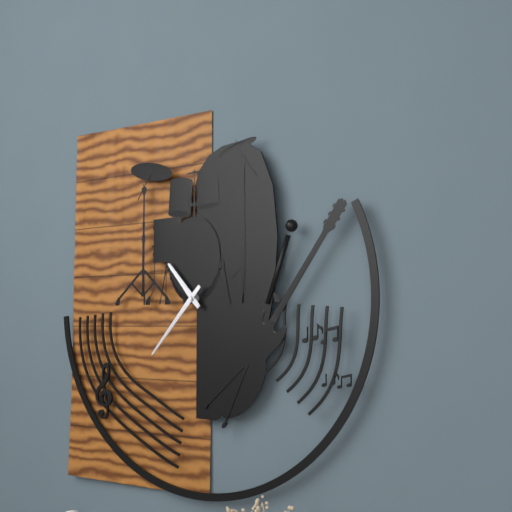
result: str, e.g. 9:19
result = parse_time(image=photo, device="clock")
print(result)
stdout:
10:37
